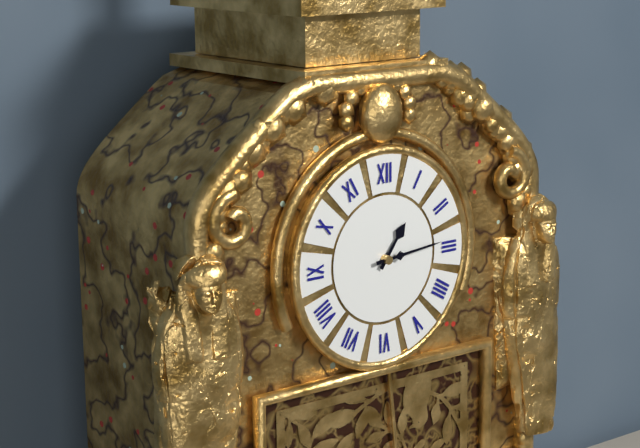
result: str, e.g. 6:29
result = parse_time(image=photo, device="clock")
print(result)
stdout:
1:14
